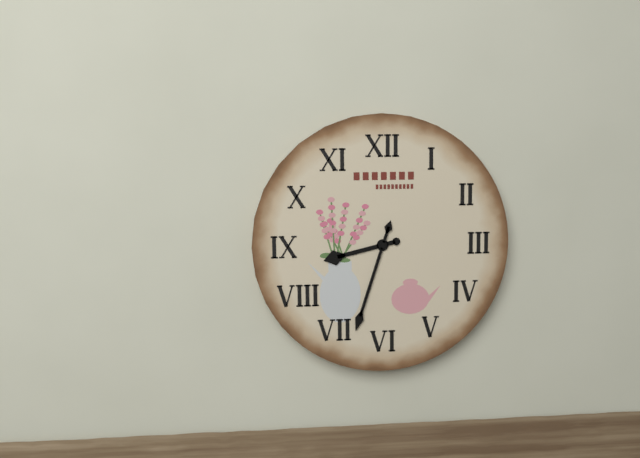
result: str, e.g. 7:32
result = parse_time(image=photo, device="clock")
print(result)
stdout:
8:33
